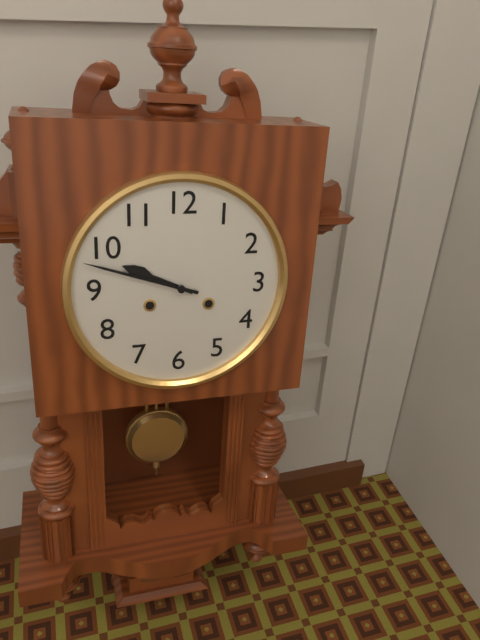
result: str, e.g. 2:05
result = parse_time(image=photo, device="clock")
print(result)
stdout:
9:48
